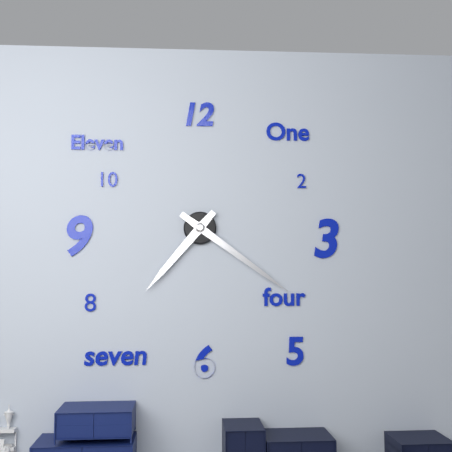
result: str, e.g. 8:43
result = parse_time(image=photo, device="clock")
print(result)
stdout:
7:21
